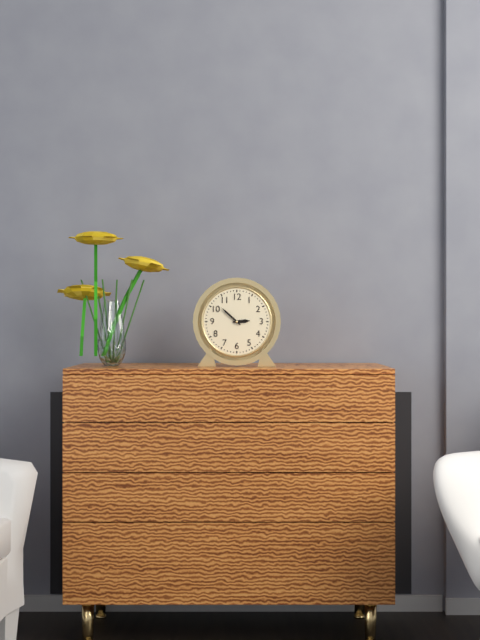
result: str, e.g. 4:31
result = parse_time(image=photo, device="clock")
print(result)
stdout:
2:52
